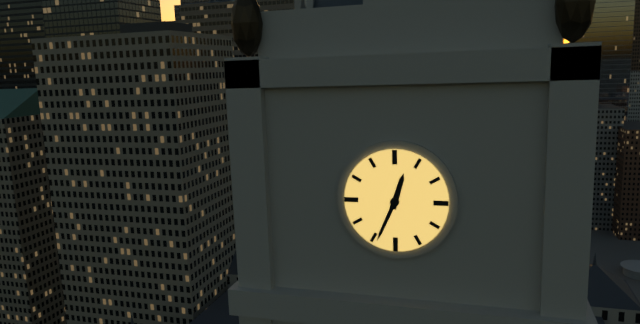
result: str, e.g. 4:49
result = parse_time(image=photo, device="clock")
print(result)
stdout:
12:34
